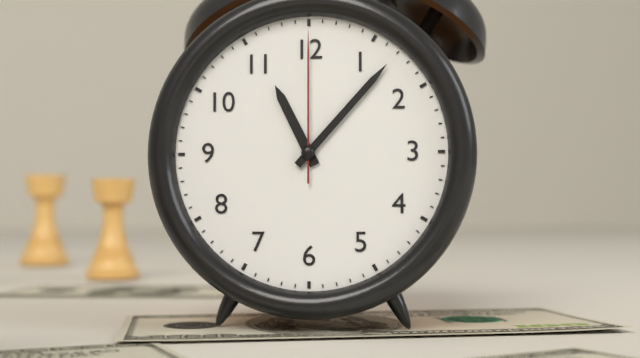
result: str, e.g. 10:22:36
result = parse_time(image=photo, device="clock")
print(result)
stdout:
11:07:00
